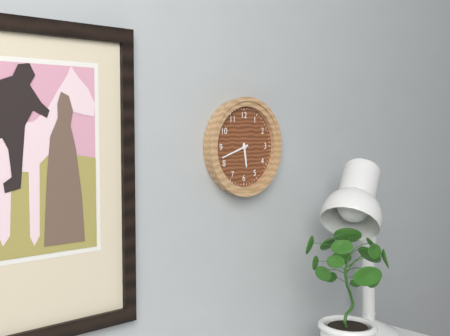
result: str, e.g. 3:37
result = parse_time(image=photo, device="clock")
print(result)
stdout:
5:42
